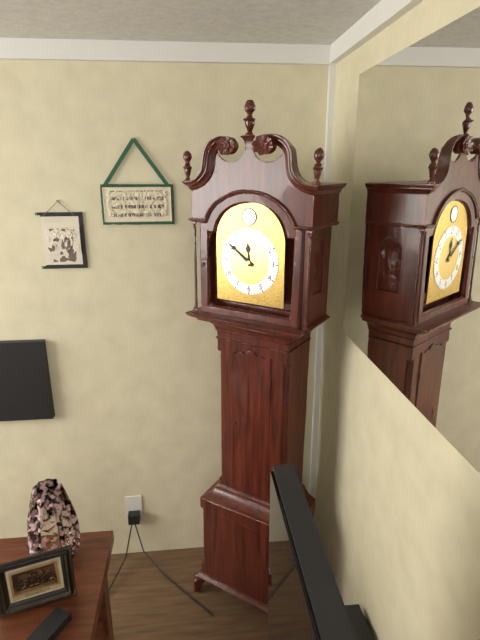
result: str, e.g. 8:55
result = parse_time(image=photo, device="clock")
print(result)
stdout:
11:51
